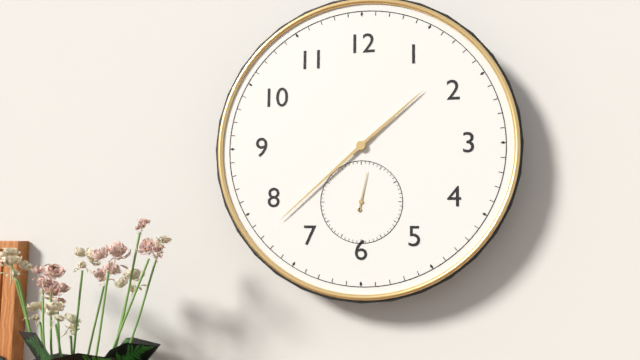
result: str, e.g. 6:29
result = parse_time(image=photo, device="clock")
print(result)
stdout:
1:38
